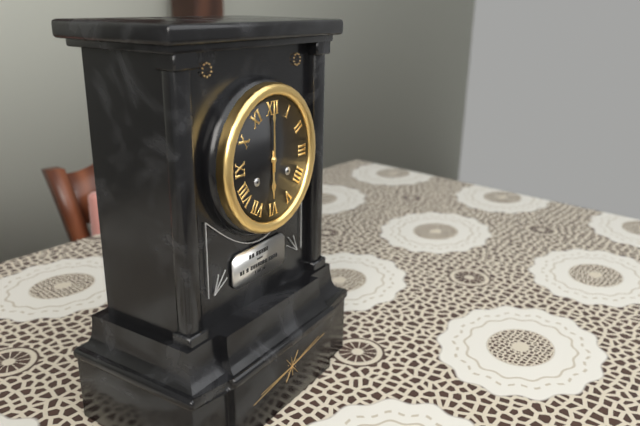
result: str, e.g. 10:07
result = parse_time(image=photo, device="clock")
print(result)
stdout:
6:00
